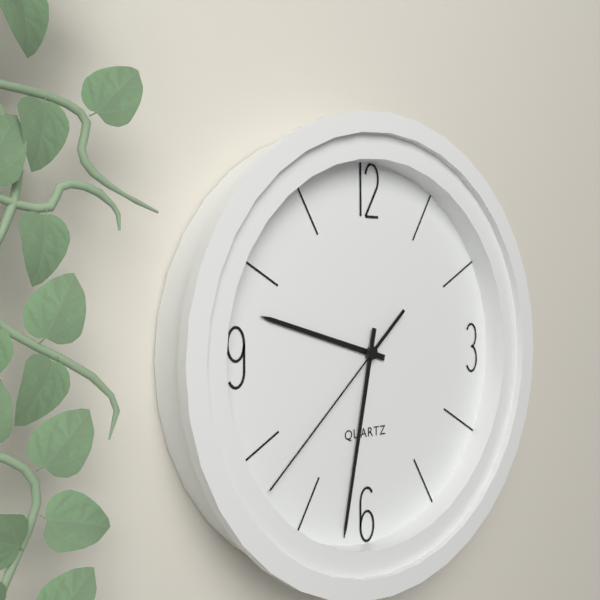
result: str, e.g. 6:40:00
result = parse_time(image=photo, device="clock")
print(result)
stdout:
9:32:38
